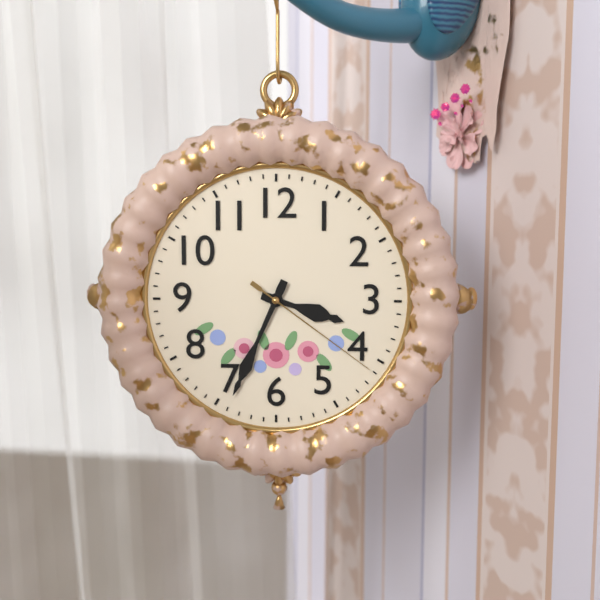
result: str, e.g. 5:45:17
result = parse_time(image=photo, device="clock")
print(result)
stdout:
3:34:21
